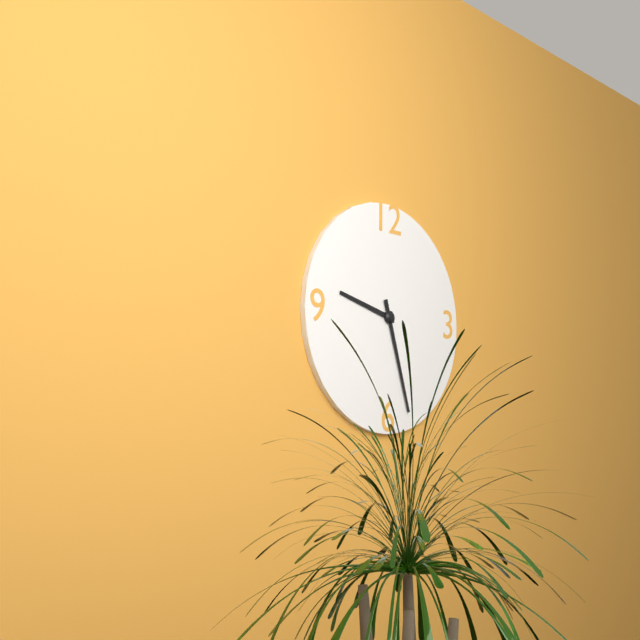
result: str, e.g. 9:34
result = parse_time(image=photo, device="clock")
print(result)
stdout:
9:27
